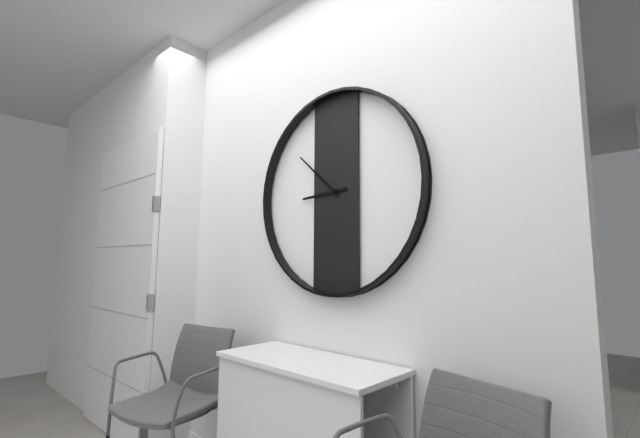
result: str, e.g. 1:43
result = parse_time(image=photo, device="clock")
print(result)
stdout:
8:52
